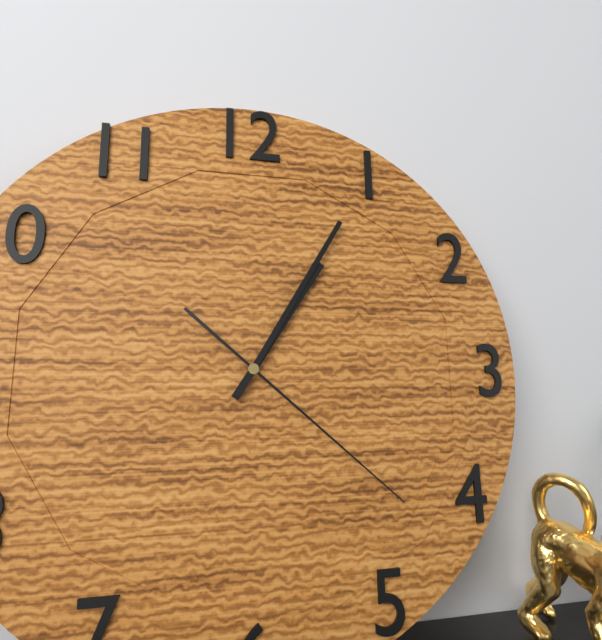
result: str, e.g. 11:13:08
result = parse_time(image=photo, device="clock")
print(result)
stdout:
1:05:22
